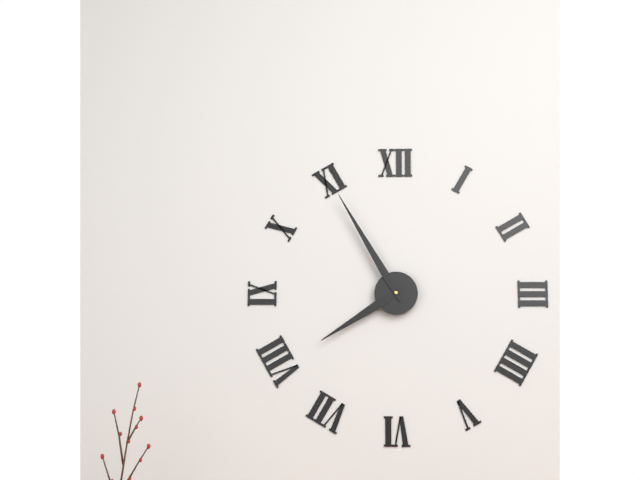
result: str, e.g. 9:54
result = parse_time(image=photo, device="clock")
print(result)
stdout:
7:55
